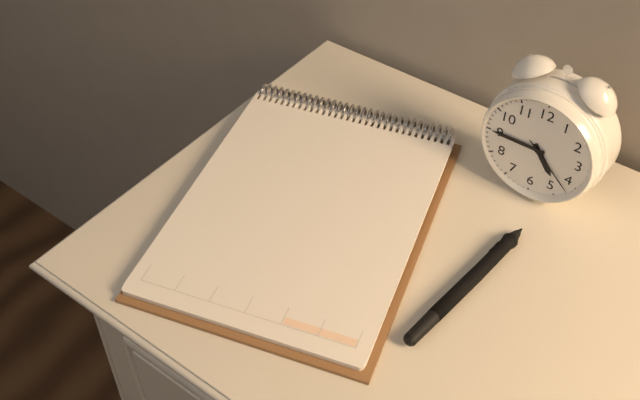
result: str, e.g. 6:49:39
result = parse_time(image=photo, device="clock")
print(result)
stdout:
4:45:22
